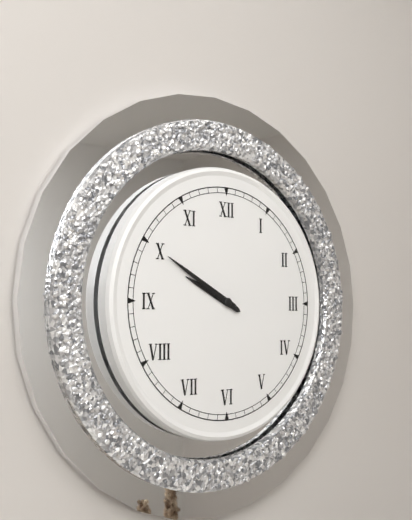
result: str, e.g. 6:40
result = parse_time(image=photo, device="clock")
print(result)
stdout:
9:50
